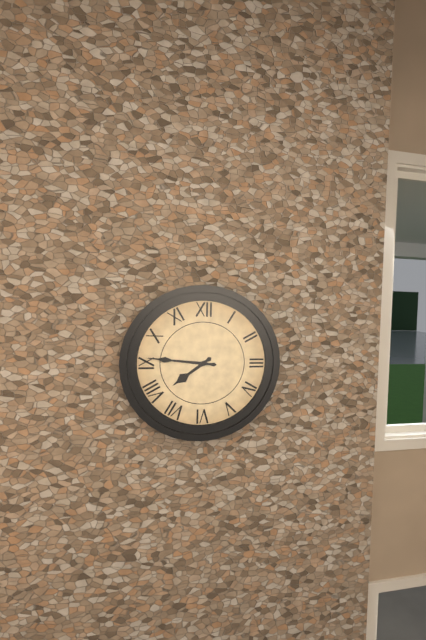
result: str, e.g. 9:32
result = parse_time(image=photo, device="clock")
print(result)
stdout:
7:46
